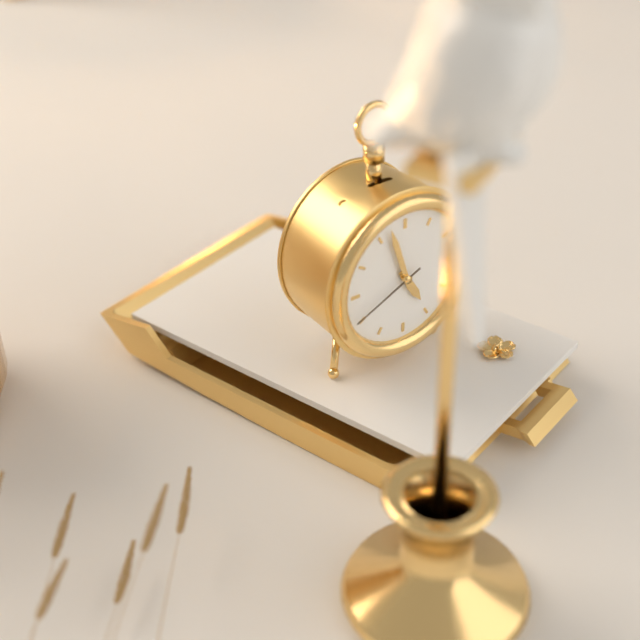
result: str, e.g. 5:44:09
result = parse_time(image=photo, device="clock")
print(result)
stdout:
4:57:41
